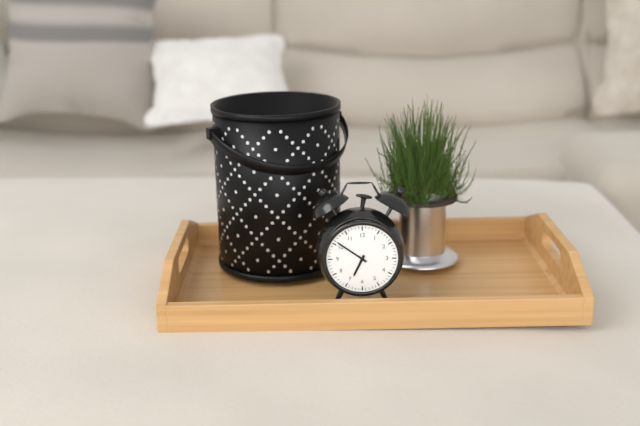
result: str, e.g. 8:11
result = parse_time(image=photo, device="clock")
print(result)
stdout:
6:51
